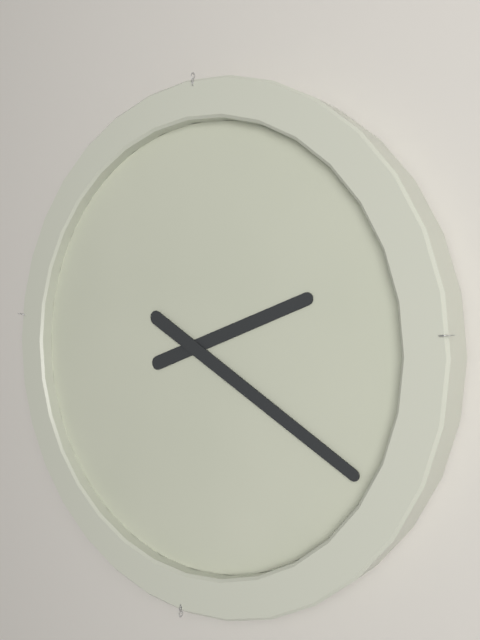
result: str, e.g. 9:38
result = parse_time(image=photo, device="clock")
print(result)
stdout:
2:20
